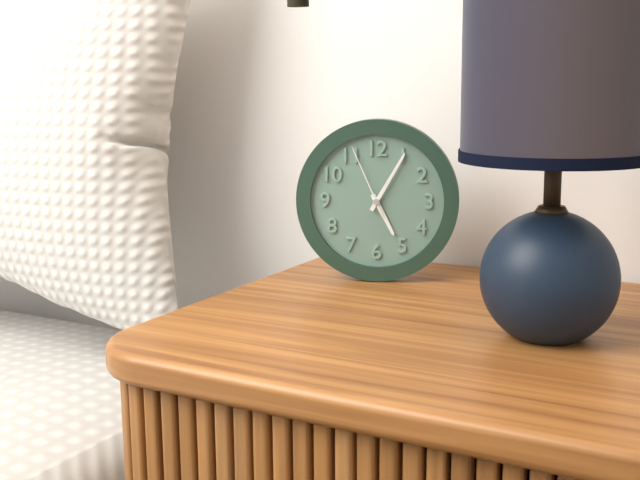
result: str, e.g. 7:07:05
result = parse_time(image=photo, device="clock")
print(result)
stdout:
5:05:56
